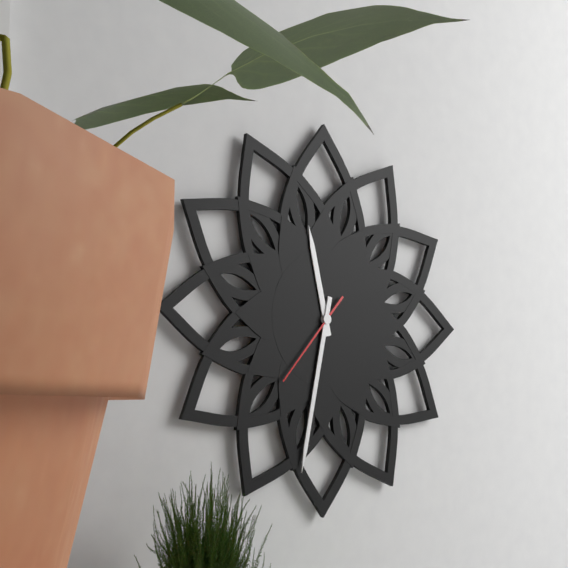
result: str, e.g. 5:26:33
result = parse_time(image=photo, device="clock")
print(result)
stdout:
11:32:37
